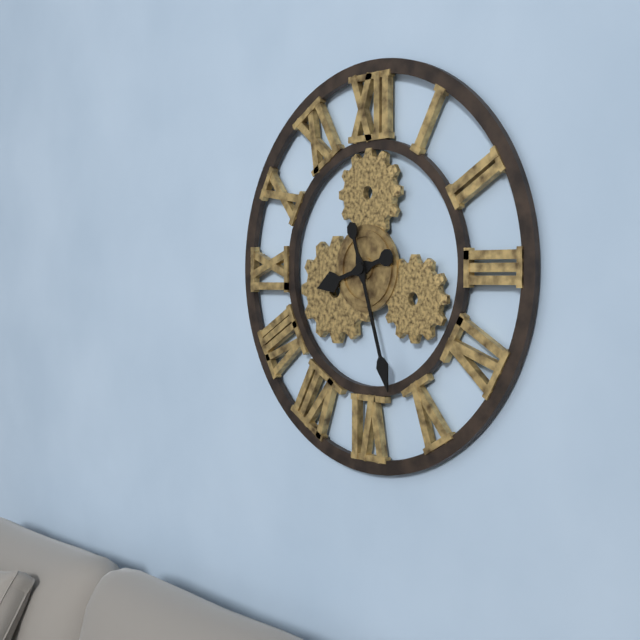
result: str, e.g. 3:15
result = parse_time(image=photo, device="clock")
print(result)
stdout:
8:27
